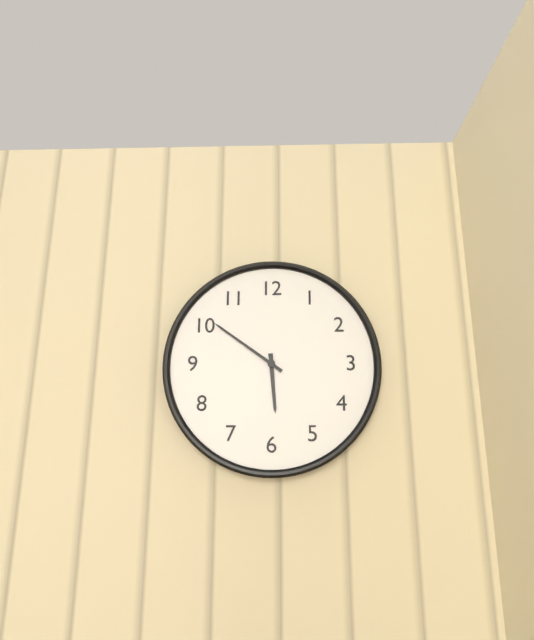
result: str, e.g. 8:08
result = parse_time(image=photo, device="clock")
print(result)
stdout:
5:51
